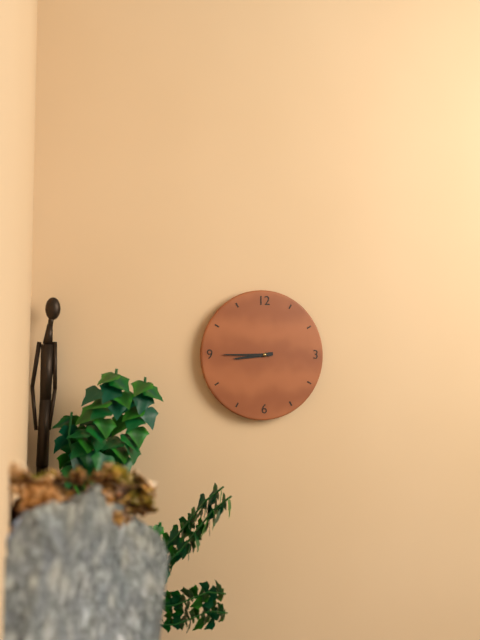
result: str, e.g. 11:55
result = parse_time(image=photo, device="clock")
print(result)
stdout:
8:45
